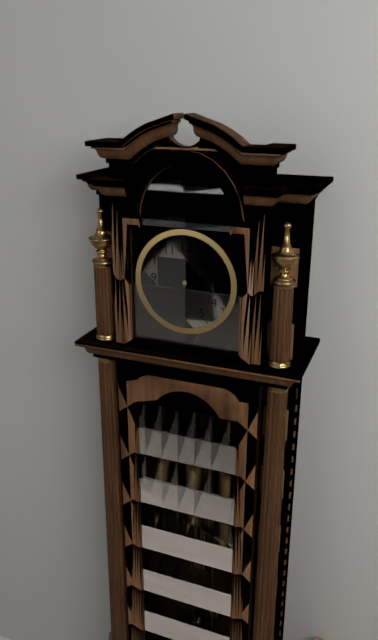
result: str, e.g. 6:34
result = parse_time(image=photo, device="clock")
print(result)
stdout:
10:11
